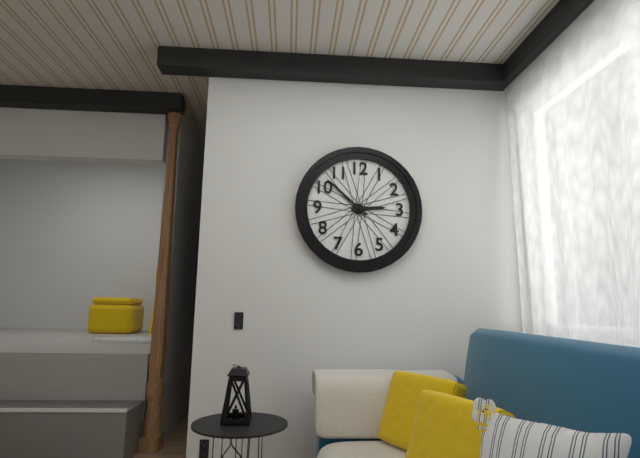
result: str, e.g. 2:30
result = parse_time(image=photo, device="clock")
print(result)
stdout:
2:52
